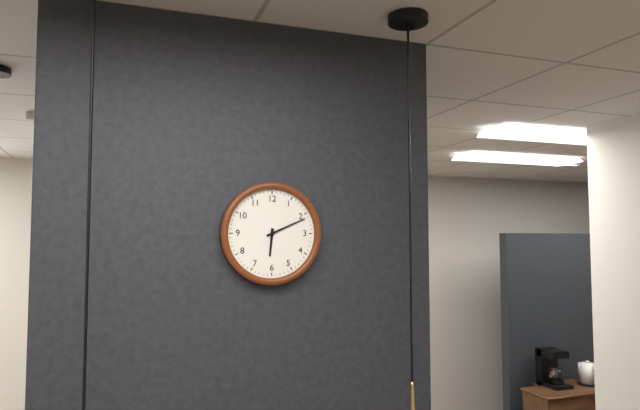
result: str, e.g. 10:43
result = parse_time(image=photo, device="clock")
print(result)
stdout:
6:11
